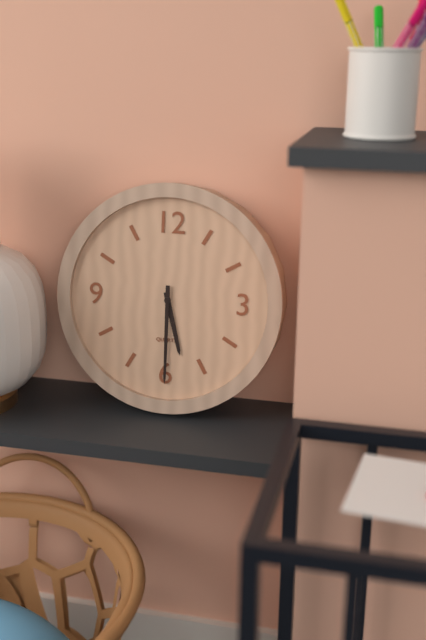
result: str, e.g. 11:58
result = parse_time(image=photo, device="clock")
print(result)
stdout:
5:30
